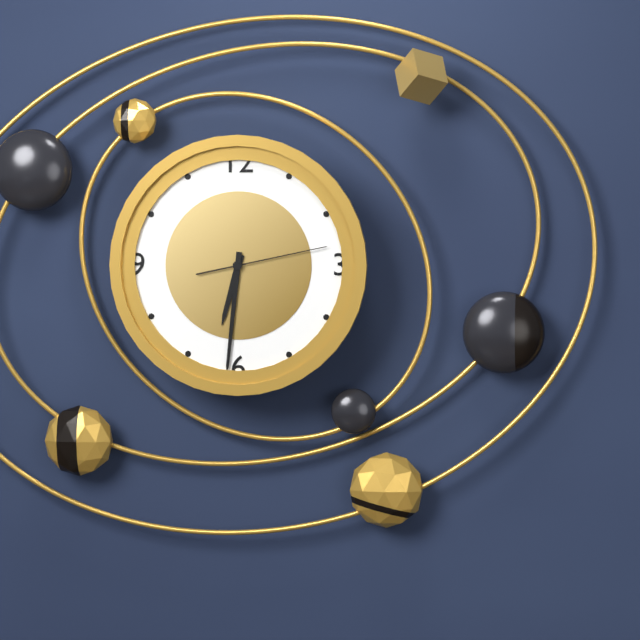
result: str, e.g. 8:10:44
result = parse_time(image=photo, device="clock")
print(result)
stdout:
6:31:13
